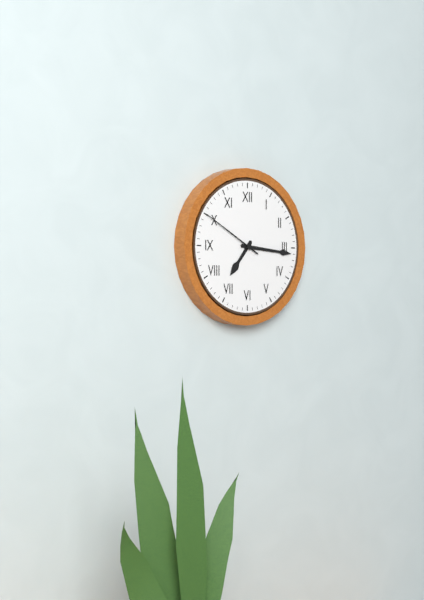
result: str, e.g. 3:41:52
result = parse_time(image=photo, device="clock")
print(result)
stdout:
7:16:50
